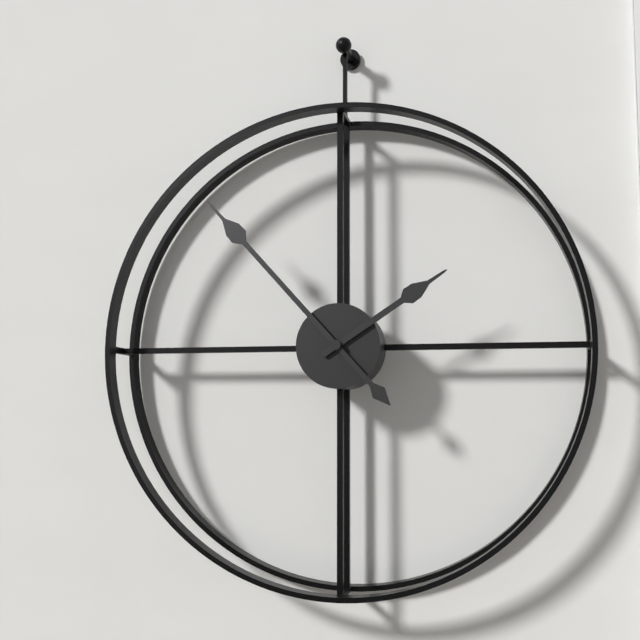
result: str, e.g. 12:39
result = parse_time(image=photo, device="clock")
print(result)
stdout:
1:53
